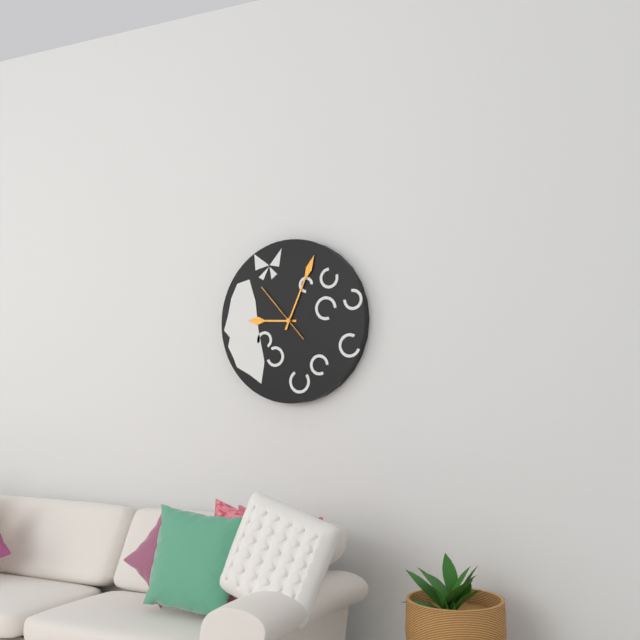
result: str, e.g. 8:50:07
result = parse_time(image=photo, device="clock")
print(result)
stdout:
9:04:53
